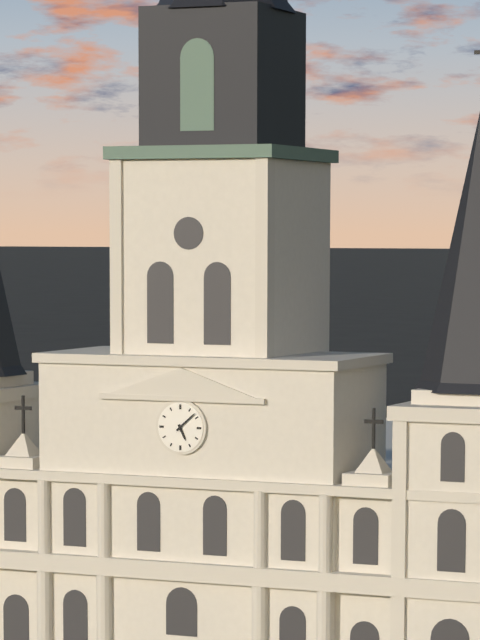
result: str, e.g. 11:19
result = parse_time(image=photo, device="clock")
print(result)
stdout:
5:08
